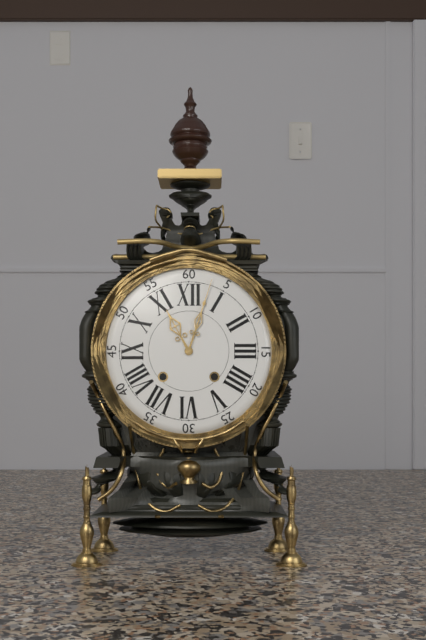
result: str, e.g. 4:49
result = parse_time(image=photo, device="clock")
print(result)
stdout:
11:03
